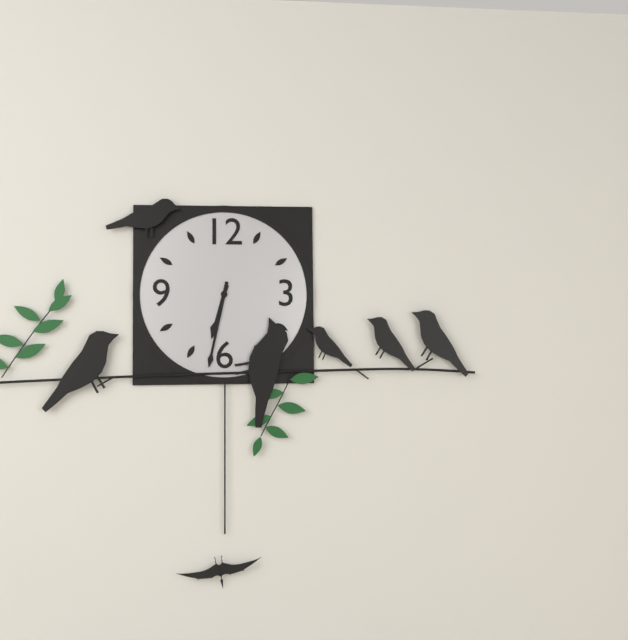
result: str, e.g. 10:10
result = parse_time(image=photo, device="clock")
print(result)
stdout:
6:32
